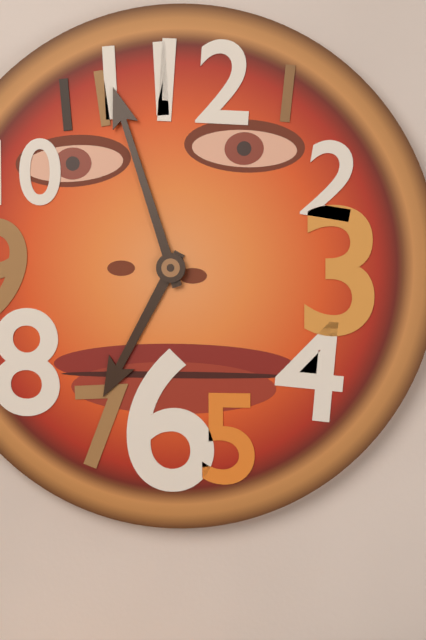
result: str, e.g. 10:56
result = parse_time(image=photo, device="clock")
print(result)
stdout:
6:57
